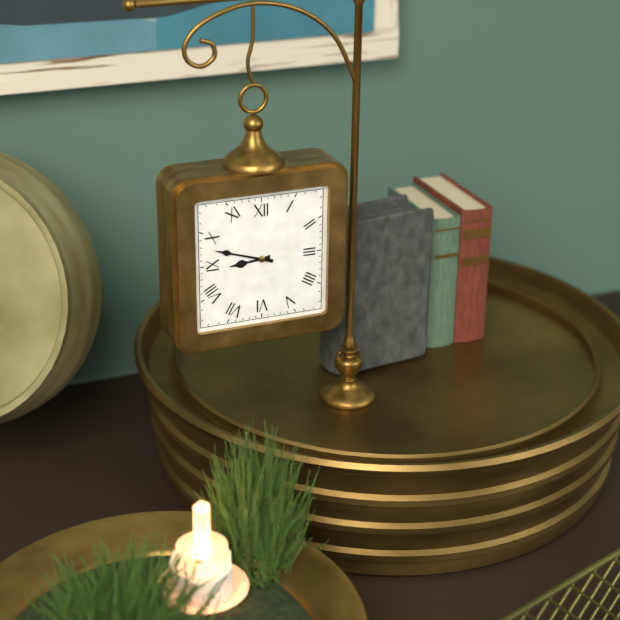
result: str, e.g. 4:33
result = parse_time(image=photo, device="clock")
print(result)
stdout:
8:48
